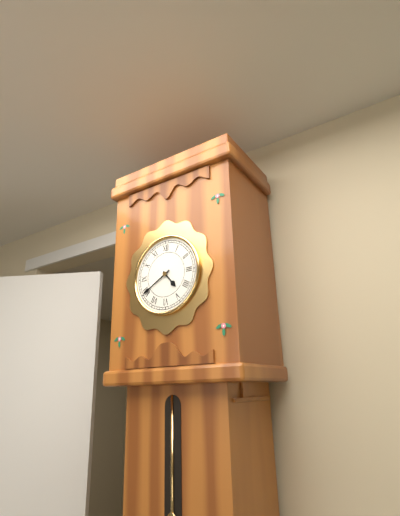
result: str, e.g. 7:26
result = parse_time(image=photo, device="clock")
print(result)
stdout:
4:40
